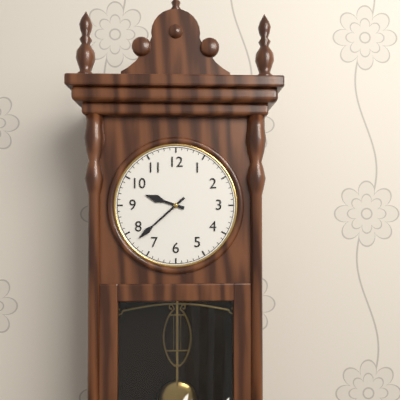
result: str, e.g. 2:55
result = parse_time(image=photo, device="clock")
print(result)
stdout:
9:38
